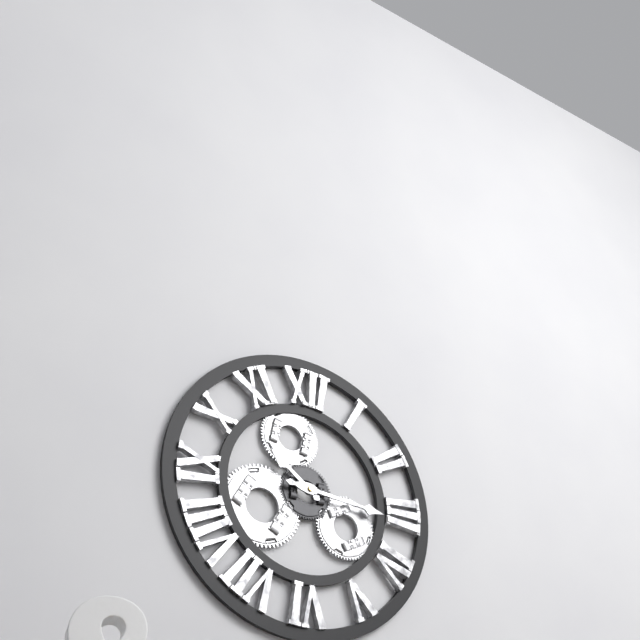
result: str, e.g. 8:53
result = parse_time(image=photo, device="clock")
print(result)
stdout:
10:16
